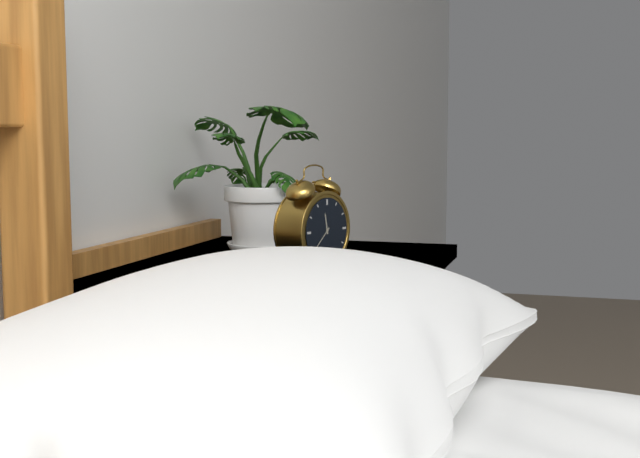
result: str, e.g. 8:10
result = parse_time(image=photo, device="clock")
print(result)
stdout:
11:38
